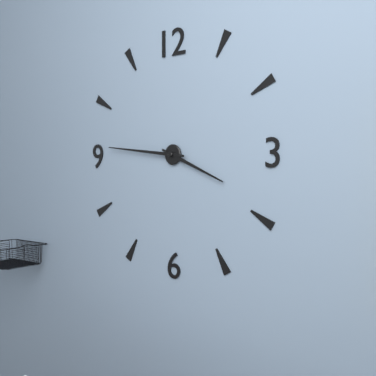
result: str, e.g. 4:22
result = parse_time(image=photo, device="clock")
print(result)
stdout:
3:46
